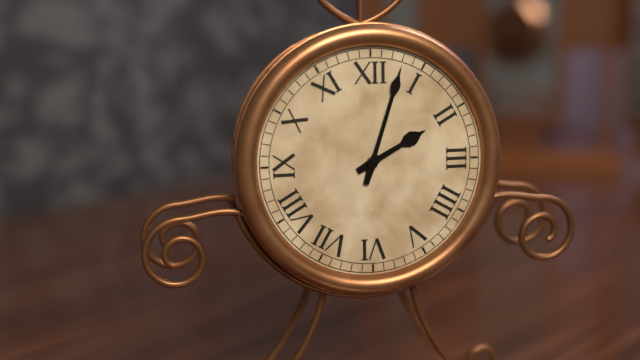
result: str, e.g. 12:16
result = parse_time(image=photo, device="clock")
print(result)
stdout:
2:03
